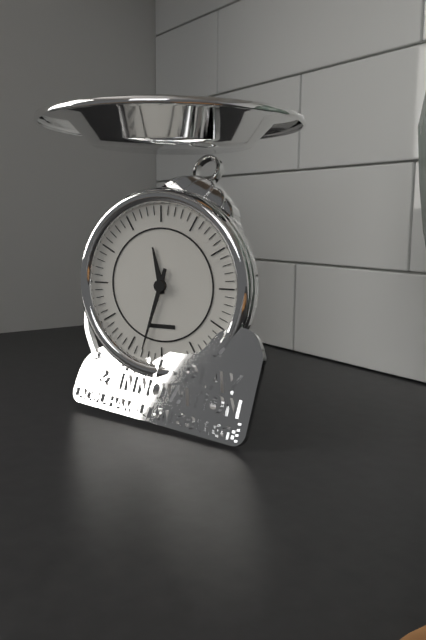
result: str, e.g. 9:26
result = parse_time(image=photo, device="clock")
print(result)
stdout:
11:33
